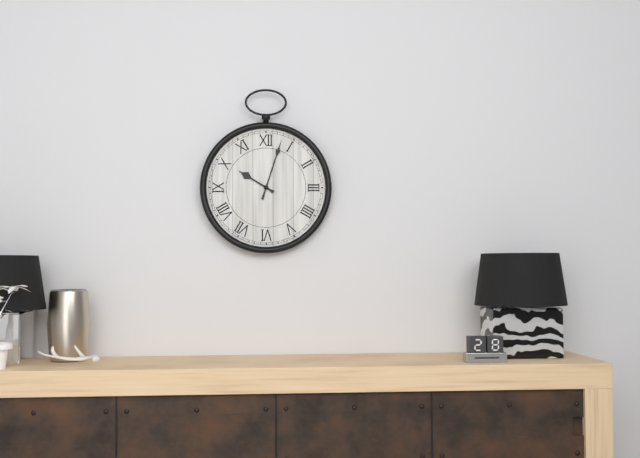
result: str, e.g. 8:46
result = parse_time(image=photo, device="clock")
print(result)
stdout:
10:03
